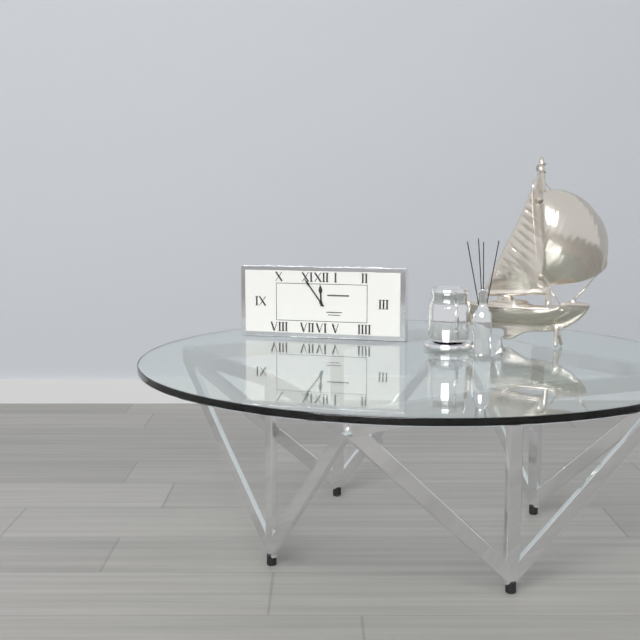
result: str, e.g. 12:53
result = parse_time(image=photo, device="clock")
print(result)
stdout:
11:54
